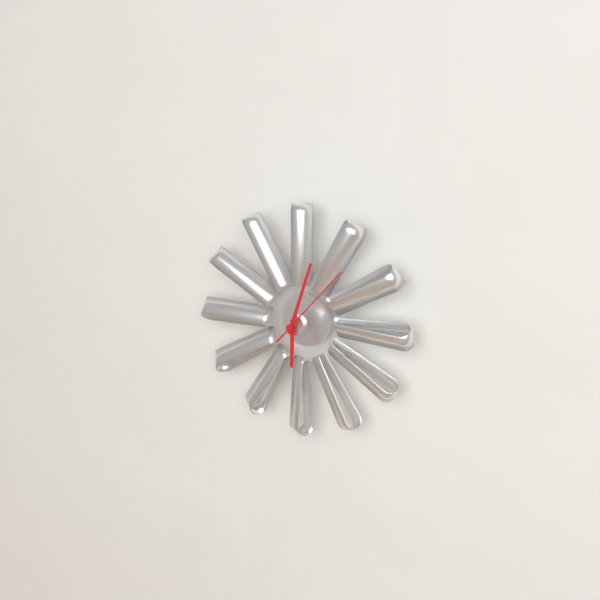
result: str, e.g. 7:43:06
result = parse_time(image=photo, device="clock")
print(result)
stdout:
6:03:07
